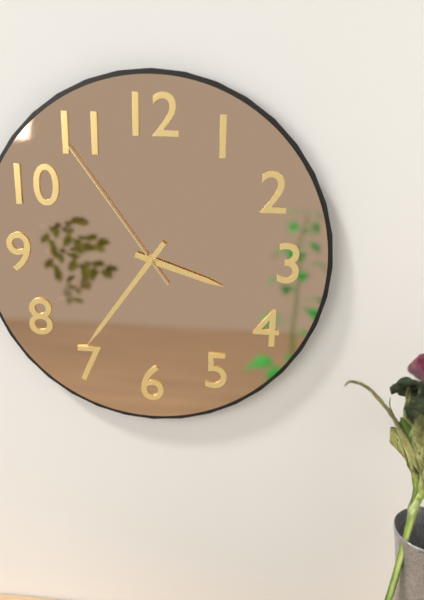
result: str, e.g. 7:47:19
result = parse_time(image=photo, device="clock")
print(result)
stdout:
3:36:54
